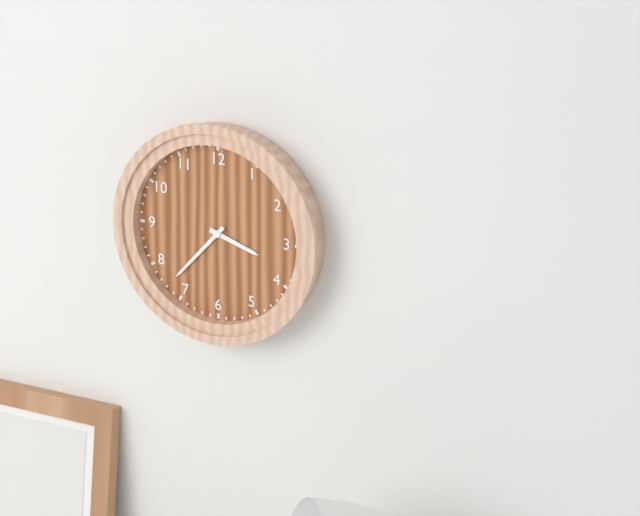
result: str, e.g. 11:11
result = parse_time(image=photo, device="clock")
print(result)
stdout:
3:37
